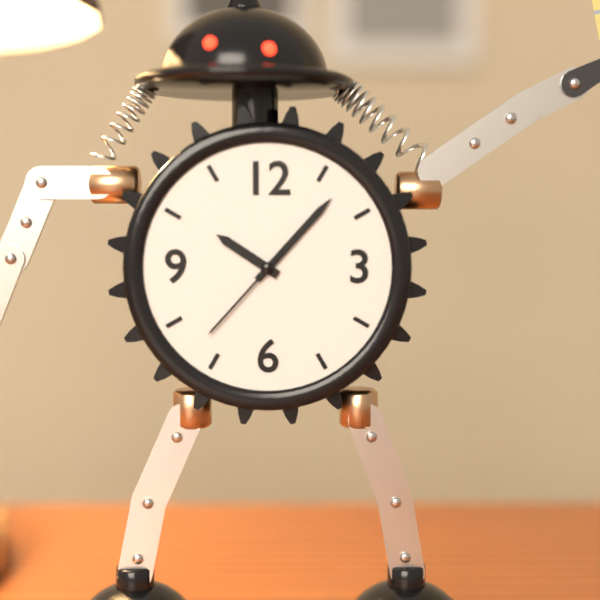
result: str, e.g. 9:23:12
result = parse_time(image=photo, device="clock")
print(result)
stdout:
10:07:37
